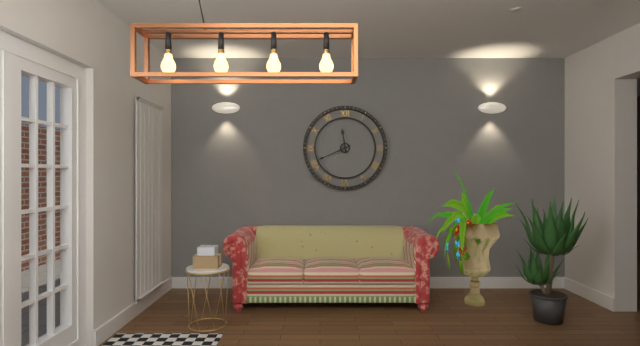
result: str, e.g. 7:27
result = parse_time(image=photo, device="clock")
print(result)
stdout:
11:41
